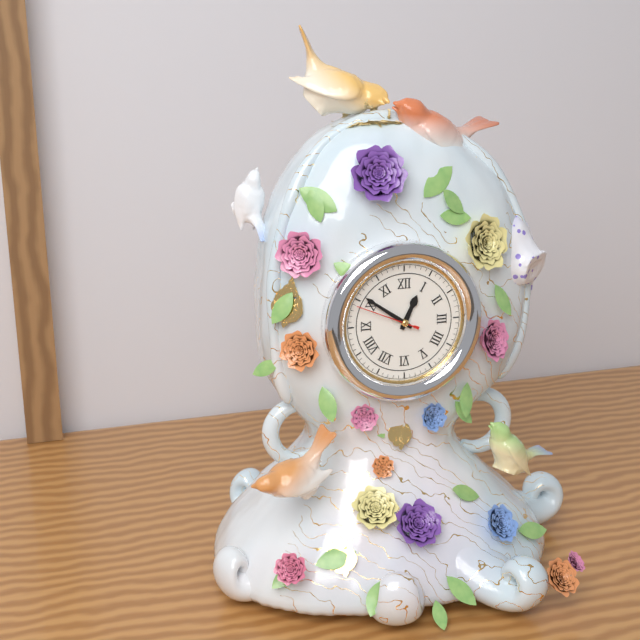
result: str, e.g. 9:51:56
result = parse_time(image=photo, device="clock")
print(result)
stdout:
12:51:49
